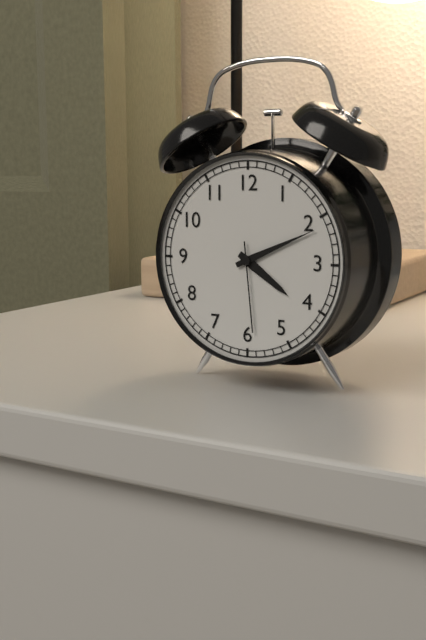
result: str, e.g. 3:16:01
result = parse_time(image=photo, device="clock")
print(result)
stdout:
4:11:29
